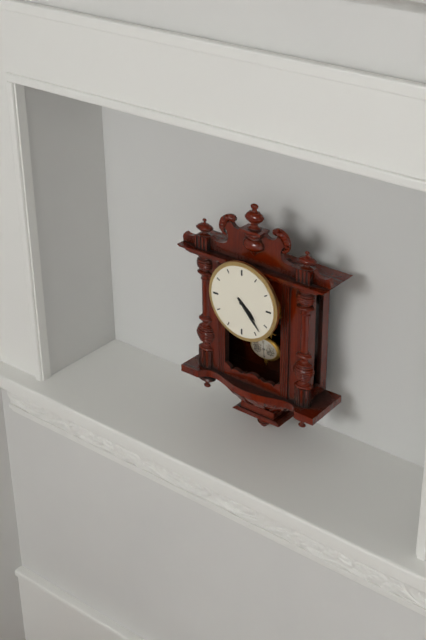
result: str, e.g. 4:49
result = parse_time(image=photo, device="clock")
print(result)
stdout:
4:23
